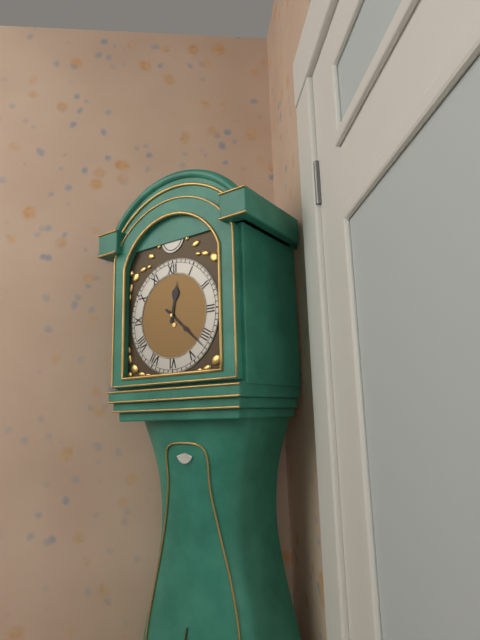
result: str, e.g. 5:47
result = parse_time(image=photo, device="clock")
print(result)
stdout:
12:22
